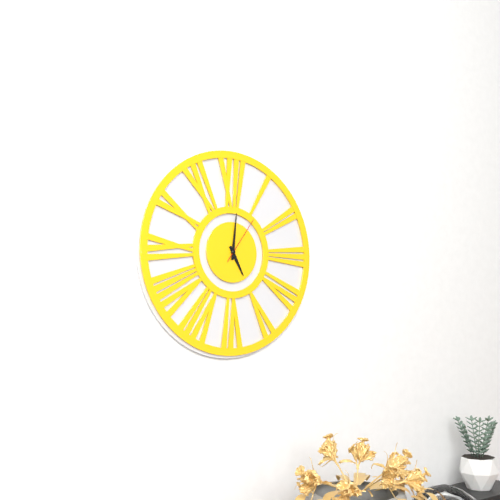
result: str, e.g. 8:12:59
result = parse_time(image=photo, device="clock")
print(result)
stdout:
5:01:06
